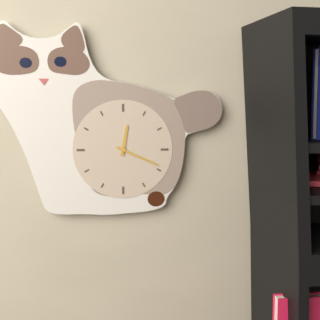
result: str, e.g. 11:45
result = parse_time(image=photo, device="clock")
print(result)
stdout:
12:19
